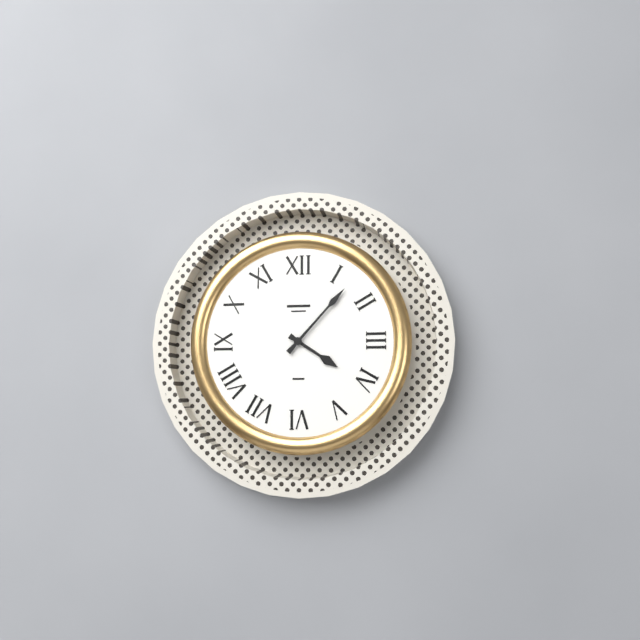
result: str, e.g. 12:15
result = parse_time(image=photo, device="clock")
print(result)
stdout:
4:07
